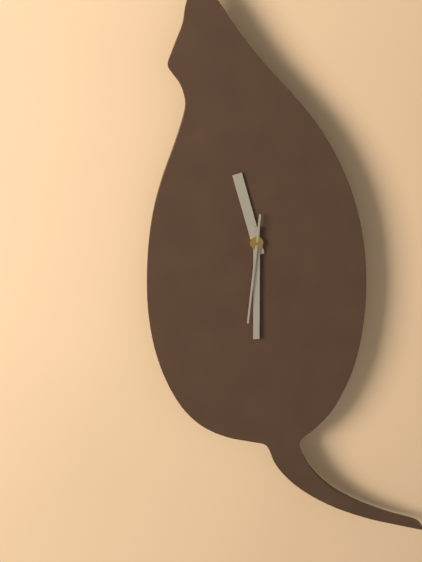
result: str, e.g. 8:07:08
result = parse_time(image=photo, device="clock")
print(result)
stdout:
11:30:31
